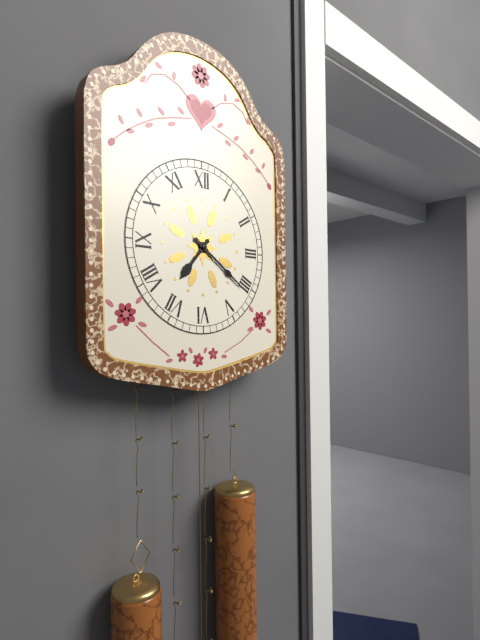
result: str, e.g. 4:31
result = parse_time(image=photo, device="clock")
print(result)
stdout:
7:21
